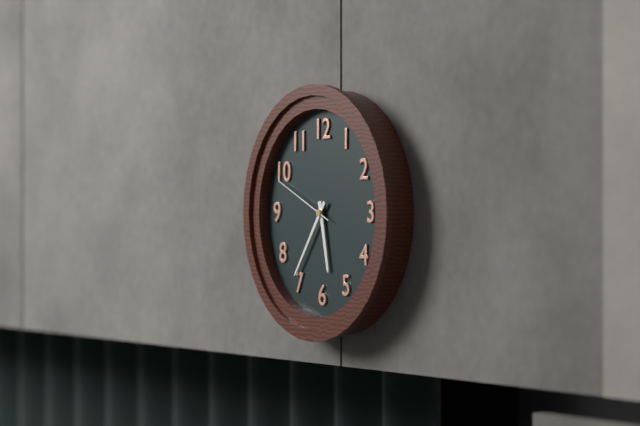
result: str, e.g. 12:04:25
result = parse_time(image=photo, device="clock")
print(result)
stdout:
5:36:49
